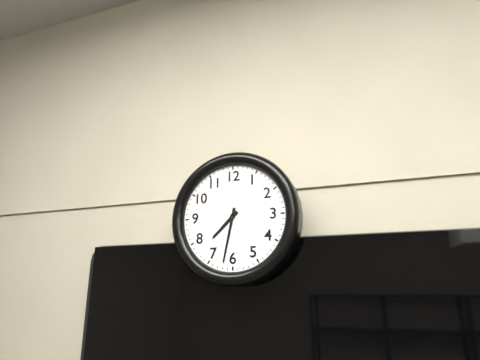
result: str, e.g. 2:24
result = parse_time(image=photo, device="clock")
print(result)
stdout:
7:32
